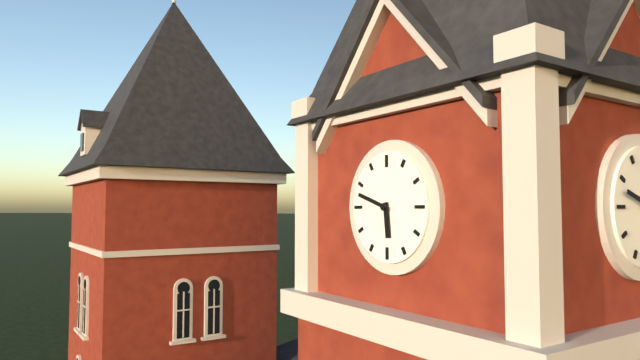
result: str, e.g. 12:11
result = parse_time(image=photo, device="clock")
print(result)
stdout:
5:48
